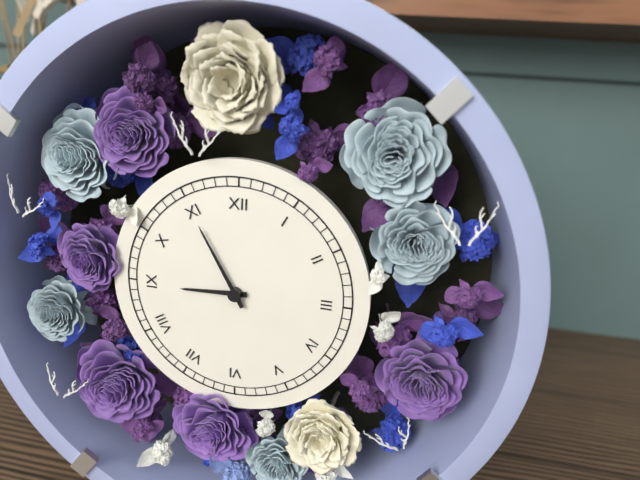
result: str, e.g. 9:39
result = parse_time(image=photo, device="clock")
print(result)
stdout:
8:55
